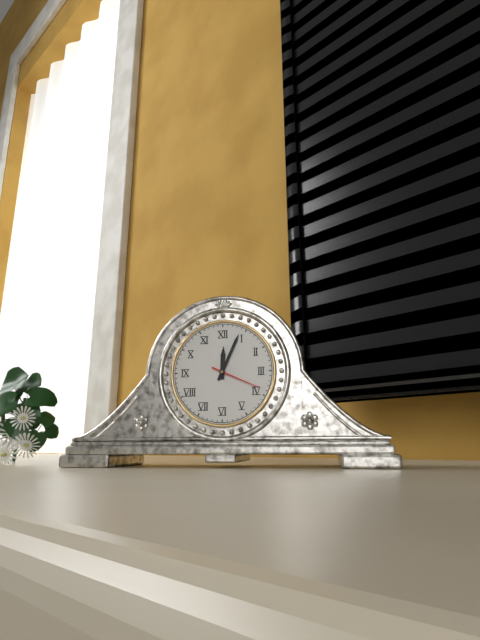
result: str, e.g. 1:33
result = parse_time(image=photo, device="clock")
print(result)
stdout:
12:04
